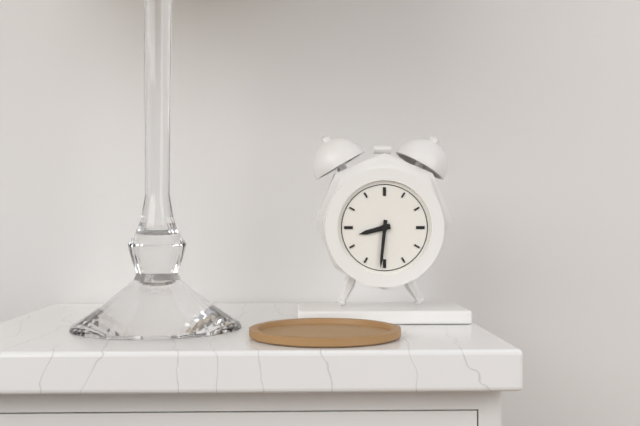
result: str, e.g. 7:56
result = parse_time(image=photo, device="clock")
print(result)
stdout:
8:31
